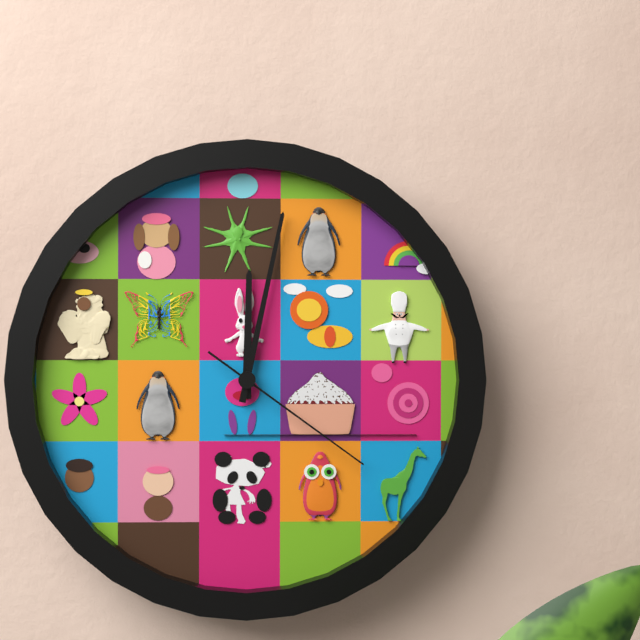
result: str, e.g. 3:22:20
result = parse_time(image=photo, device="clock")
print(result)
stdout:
12:02:21
